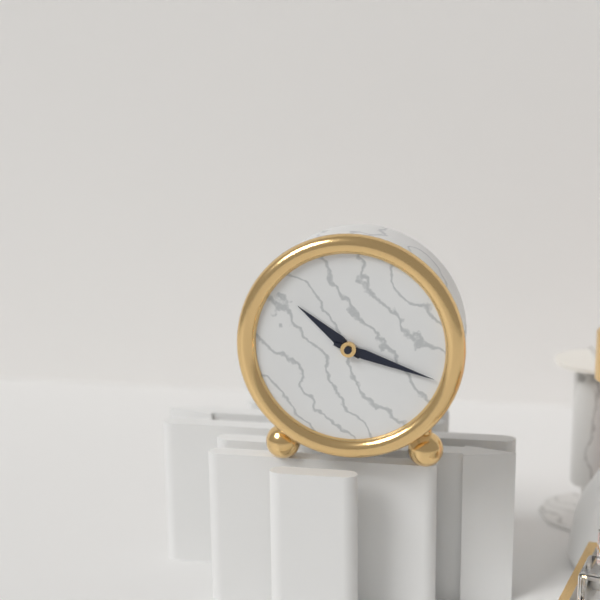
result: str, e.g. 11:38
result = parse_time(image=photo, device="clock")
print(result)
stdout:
10:18
